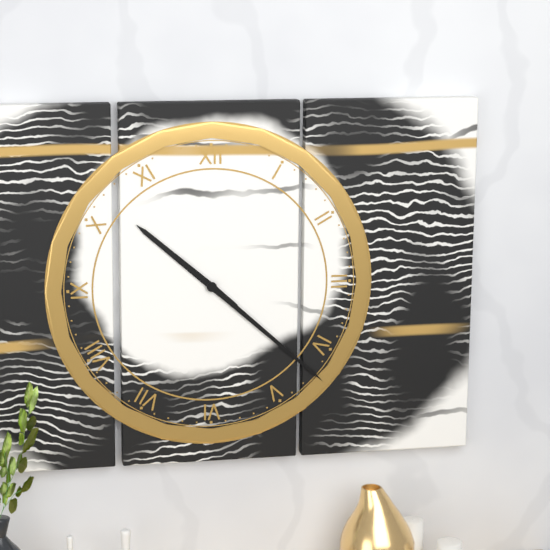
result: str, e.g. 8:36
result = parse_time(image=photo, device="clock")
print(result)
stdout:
10:22
